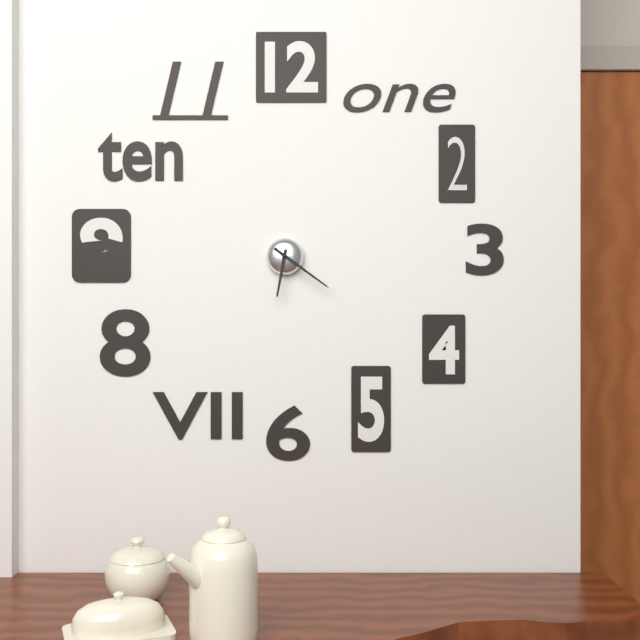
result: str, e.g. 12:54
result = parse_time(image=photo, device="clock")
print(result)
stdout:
6:21
